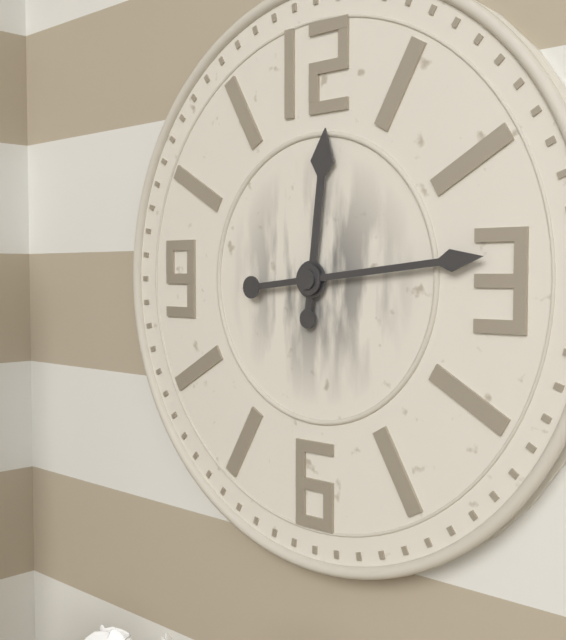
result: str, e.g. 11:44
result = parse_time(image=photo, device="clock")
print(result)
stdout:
12:14
